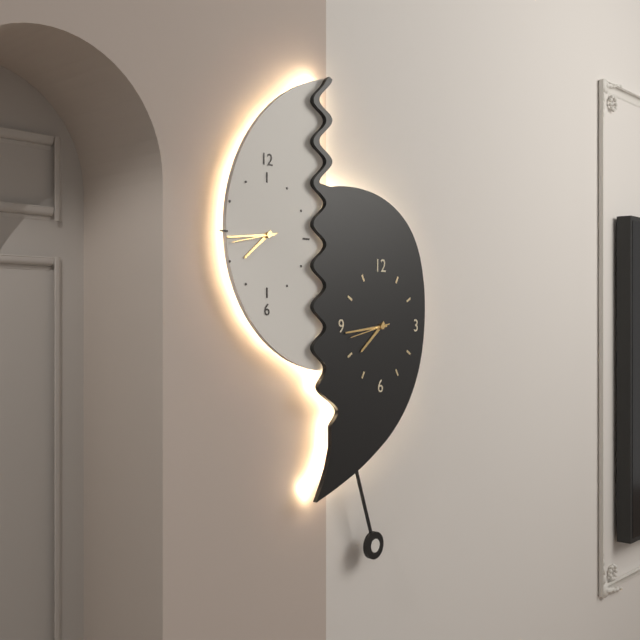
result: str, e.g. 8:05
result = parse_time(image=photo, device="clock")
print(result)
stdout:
7:44
